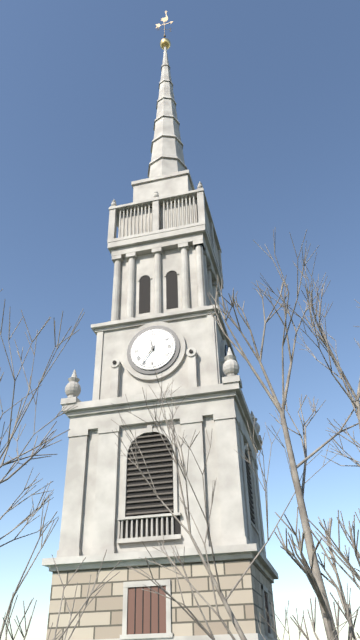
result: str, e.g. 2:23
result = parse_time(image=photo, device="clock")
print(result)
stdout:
11:36
